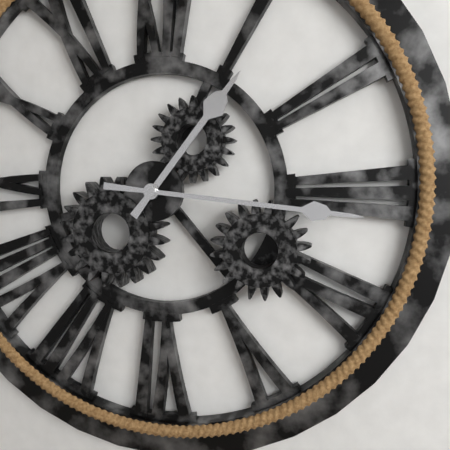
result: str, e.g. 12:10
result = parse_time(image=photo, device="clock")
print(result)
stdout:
1:16
